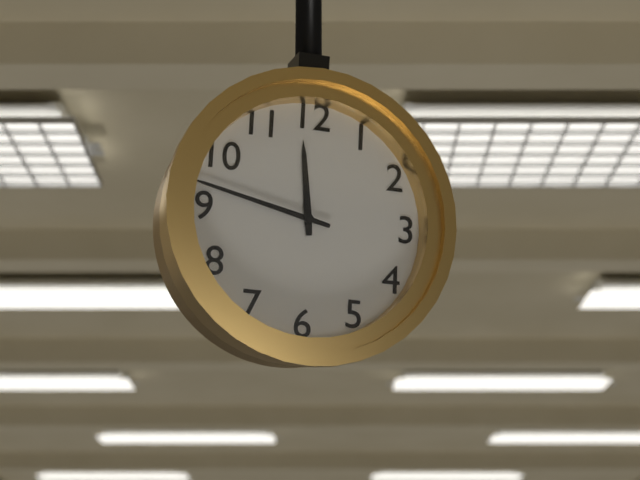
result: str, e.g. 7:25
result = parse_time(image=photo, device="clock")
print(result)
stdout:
11:47
